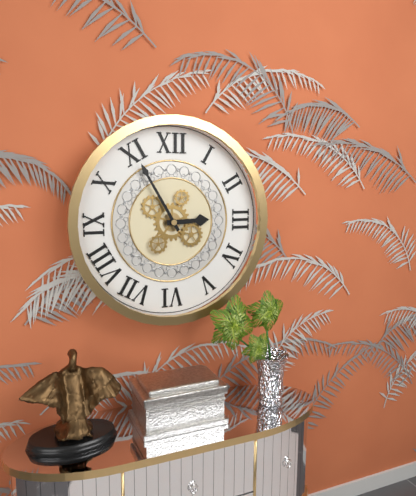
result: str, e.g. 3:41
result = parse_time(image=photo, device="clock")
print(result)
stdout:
2:55
